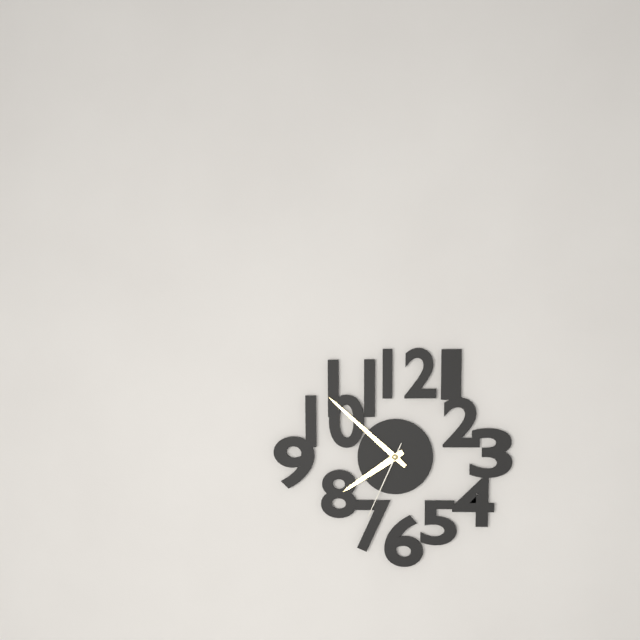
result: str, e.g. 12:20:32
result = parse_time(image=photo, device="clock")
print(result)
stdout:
7:52:34
